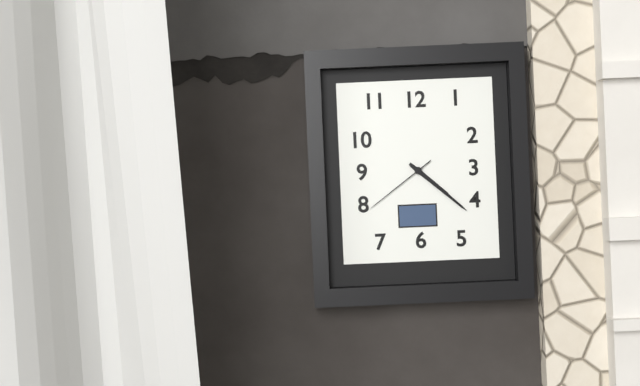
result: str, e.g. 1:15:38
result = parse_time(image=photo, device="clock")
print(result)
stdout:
4:22:39
